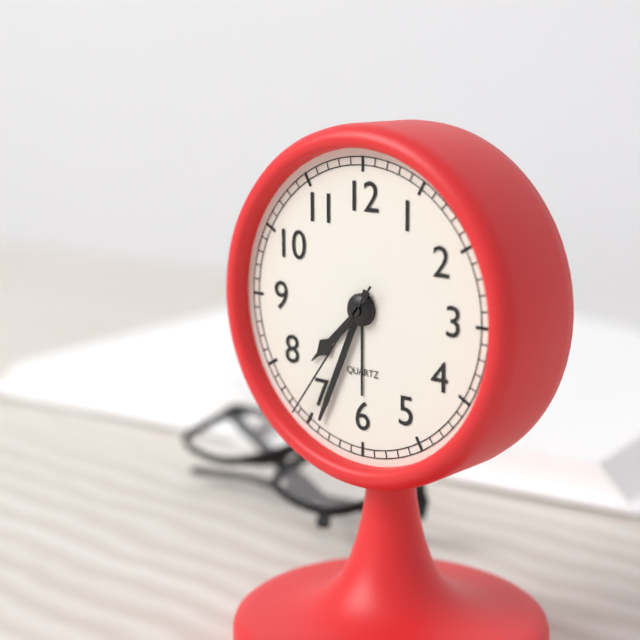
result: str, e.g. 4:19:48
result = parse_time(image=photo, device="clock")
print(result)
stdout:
7:34:36
